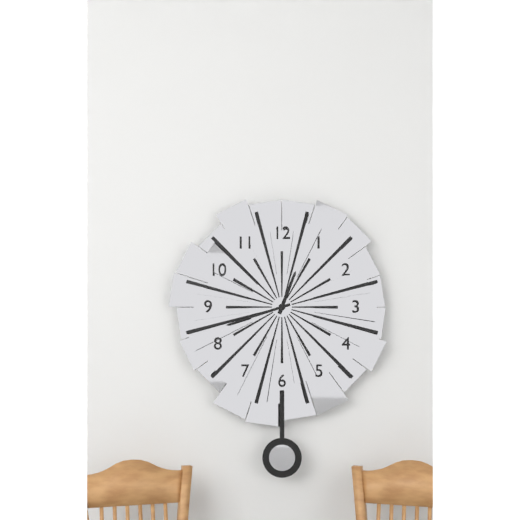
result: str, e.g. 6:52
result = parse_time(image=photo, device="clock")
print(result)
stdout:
12:42
